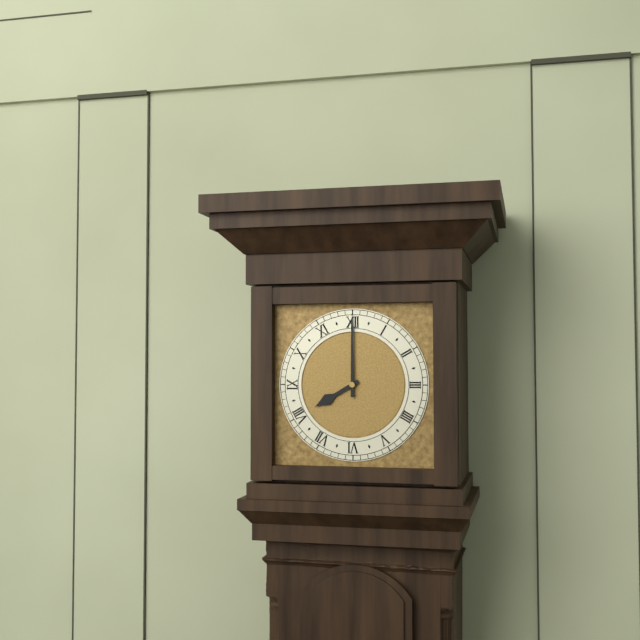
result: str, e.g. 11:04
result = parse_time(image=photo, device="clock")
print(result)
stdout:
8:00
